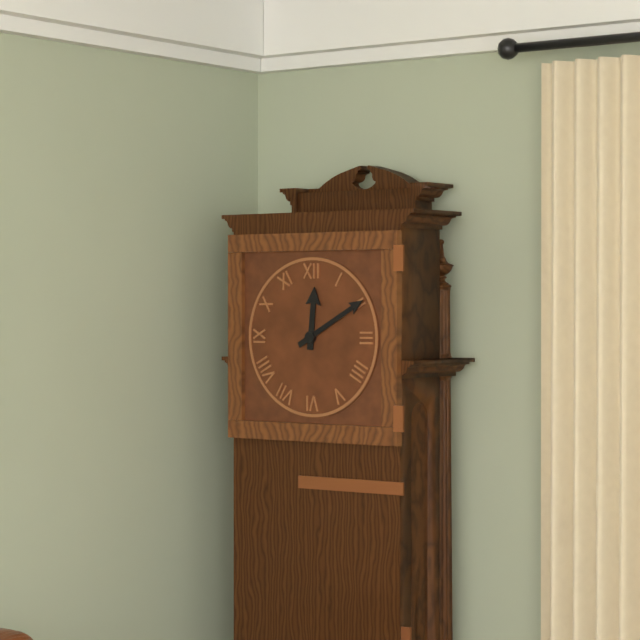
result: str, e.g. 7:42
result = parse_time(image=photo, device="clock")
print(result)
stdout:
12:10
